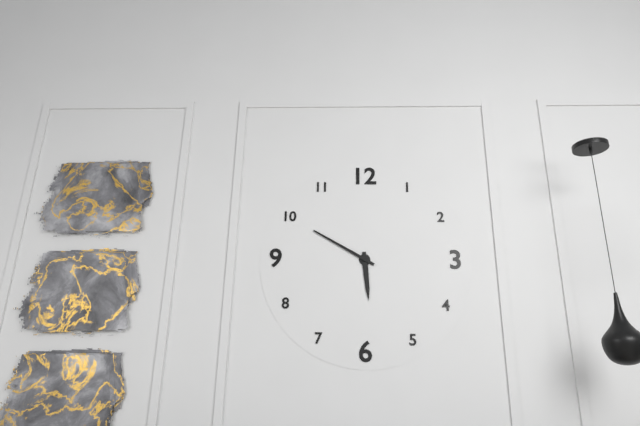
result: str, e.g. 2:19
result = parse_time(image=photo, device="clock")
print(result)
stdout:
5:50
